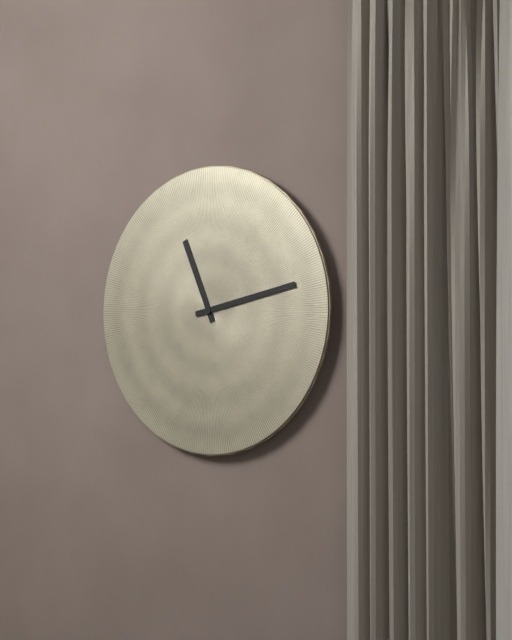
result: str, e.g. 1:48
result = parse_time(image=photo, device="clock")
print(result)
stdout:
11:13
